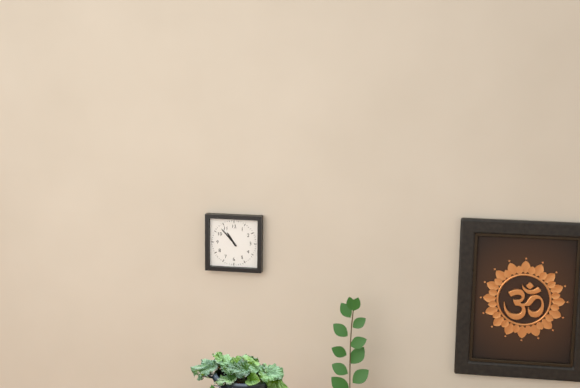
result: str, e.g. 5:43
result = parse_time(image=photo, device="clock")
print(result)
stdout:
10:53
